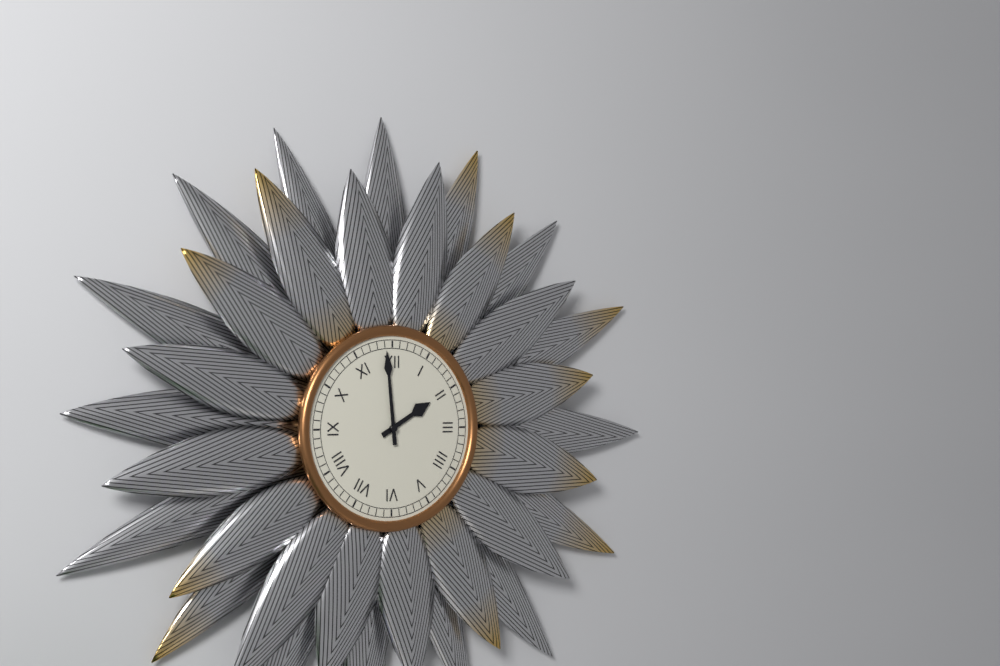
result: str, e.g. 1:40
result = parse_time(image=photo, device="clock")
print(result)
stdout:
1:59
